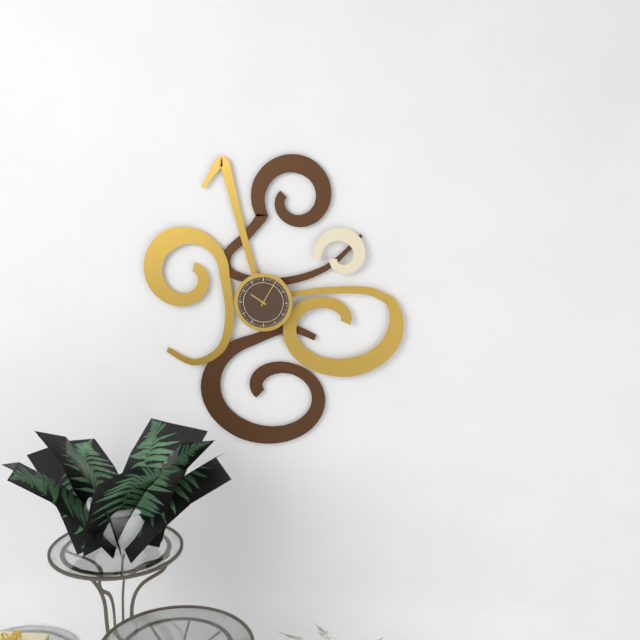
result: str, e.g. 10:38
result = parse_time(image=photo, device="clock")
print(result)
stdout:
10:05
